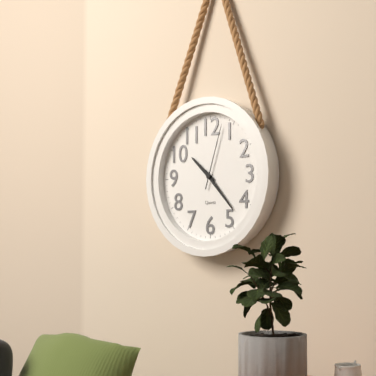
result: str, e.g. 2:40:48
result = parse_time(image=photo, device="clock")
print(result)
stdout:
10:23:03
